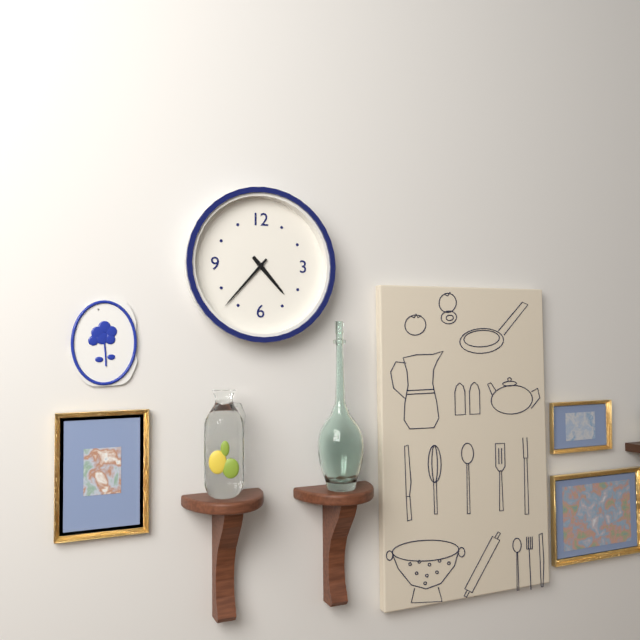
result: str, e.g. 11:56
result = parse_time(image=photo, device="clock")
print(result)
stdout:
4:37
